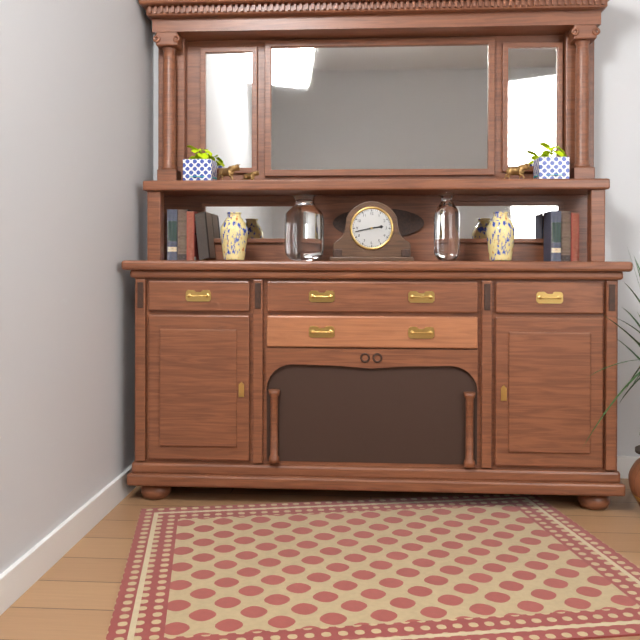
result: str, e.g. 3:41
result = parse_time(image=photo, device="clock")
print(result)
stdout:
2:43
